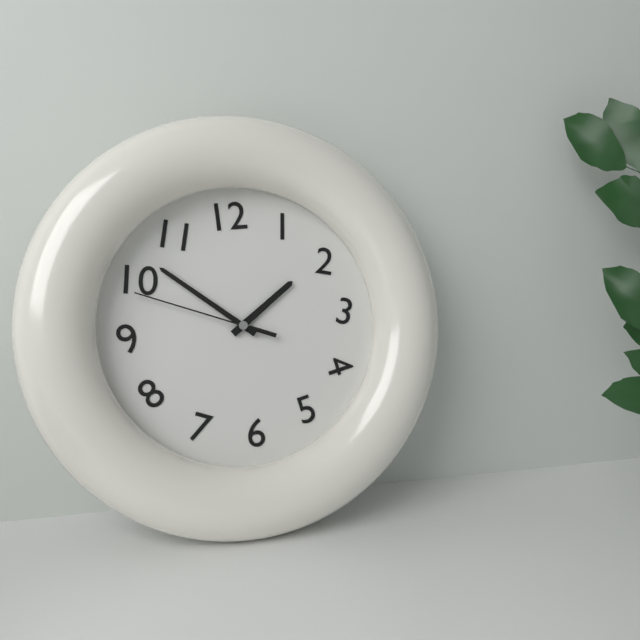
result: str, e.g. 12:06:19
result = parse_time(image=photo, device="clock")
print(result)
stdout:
1:52:49
